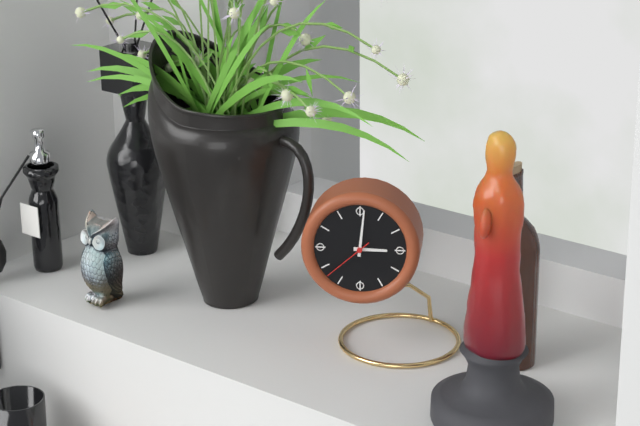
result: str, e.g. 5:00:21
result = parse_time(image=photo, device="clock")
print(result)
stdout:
3:01:38
